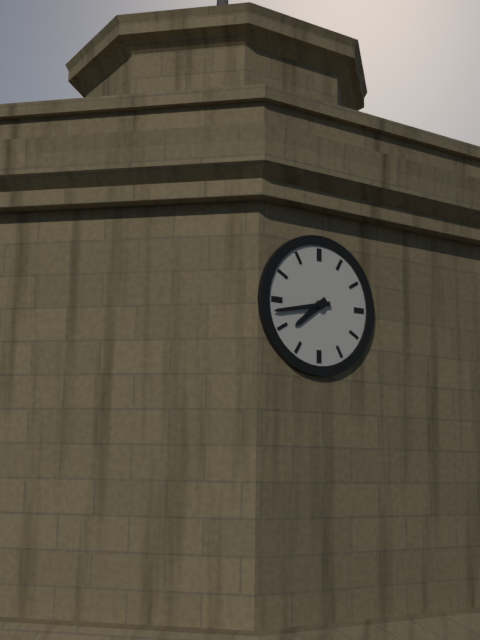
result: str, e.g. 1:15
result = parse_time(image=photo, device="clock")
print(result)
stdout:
7:43
